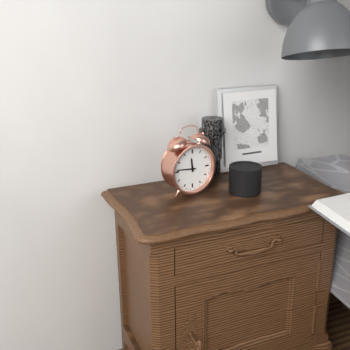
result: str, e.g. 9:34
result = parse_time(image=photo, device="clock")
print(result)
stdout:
11:46
